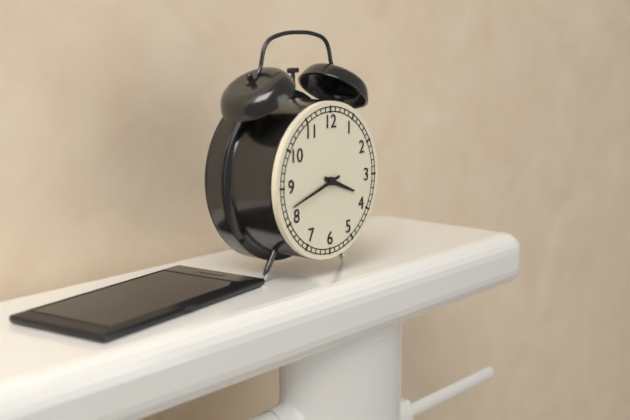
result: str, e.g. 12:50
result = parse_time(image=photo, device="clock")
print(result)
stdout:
3:42
